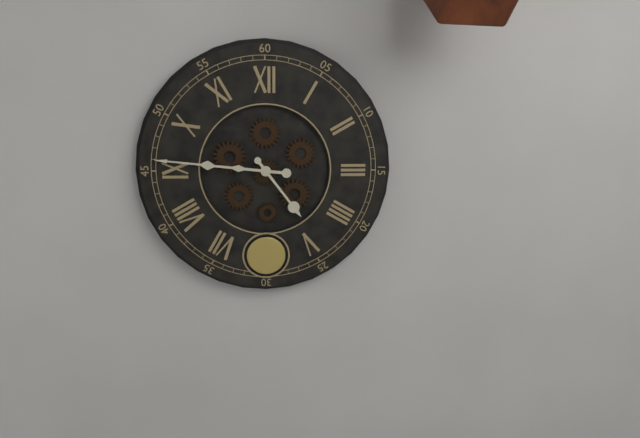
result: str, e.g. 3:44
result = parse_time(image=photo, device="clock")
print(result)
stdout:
4:46
